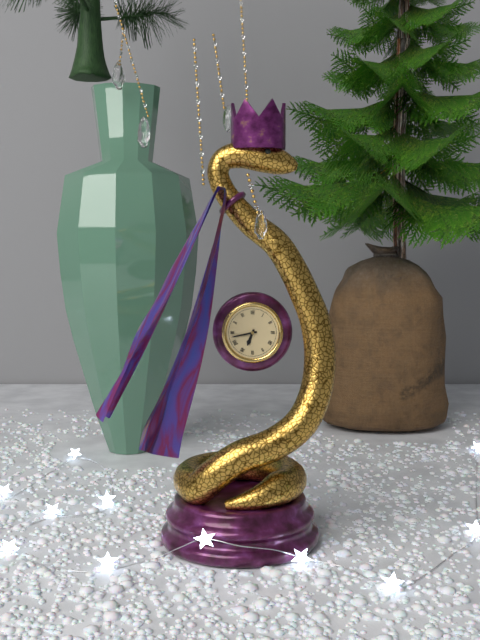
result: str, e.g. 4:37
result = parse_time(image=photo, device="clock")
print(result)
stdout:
6:43
